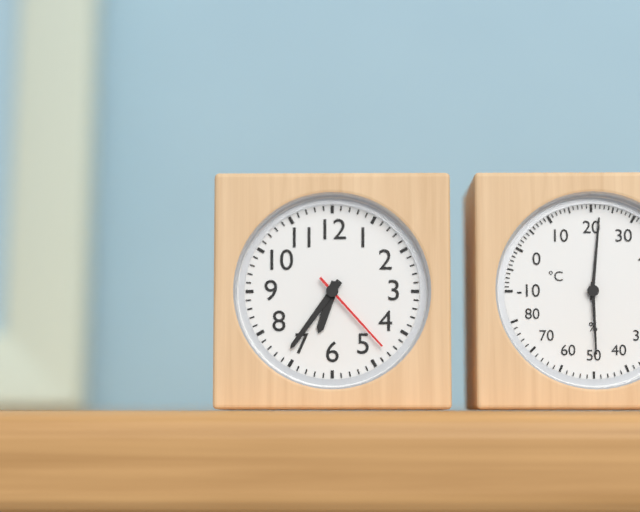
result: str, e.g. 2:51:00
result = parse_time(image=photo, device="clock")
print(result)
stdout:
6:36:23
